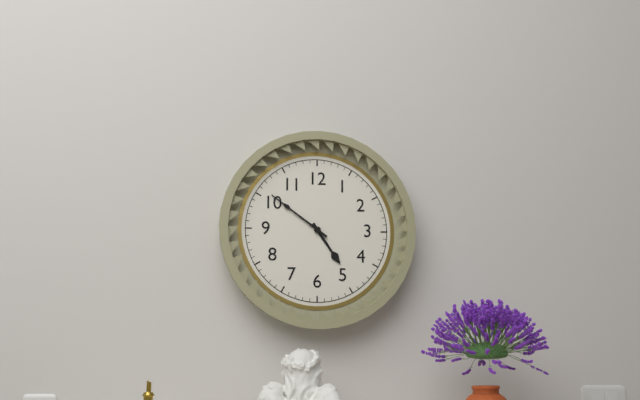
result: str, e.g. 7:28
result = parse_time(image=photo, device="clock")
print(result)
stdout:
4:51
